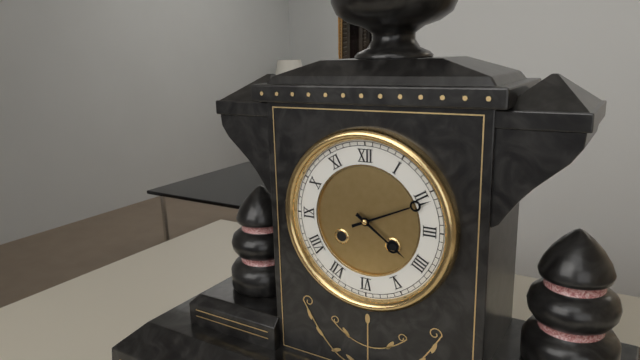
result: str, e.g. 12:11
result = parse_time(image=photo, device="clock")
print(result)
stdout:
4:11
